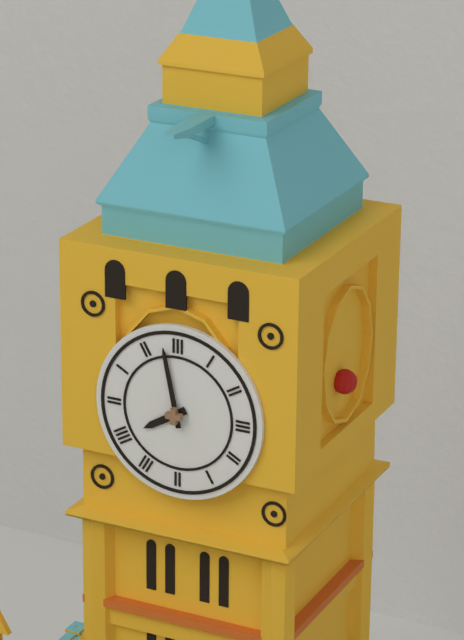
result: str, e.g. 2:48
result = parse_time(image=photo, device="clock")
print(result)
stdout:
7:58
